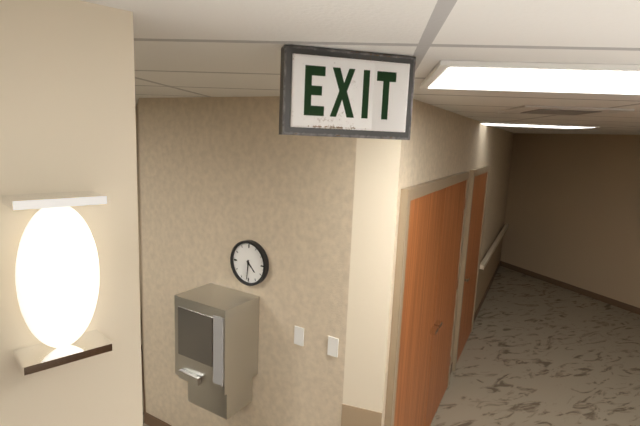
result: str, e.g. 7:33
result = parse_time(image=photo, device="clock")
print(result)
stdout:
4:31
